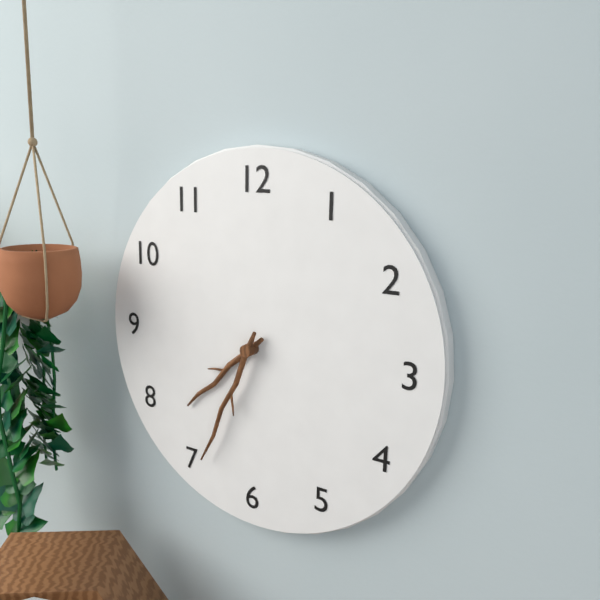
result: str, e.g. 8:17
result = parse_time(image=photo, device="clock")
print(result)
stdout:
7:34
